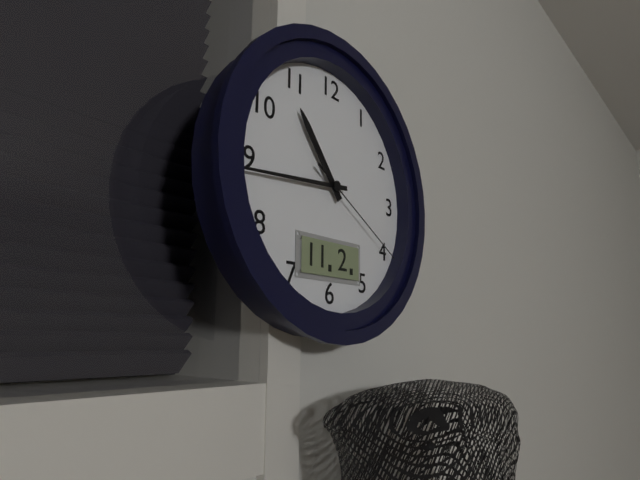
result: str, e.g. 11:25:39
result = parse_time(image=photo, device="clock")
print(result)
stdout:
10:44:20
